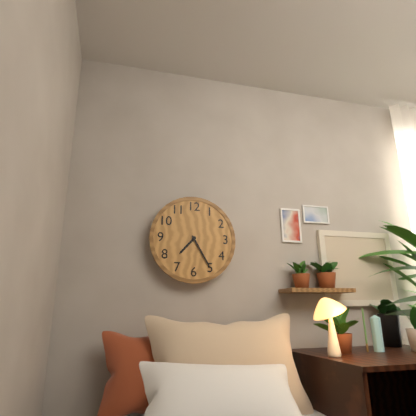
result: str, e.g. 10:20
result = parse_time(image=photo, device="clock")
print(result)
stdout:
7:25
